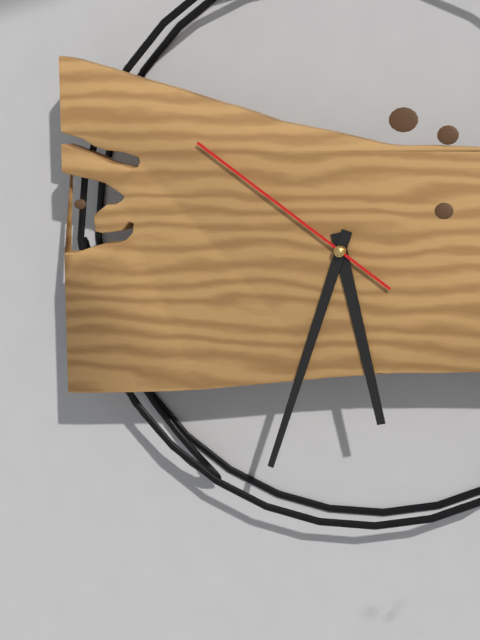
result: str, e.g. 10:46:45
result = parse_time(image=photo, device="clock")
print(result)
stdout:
5:33:51
